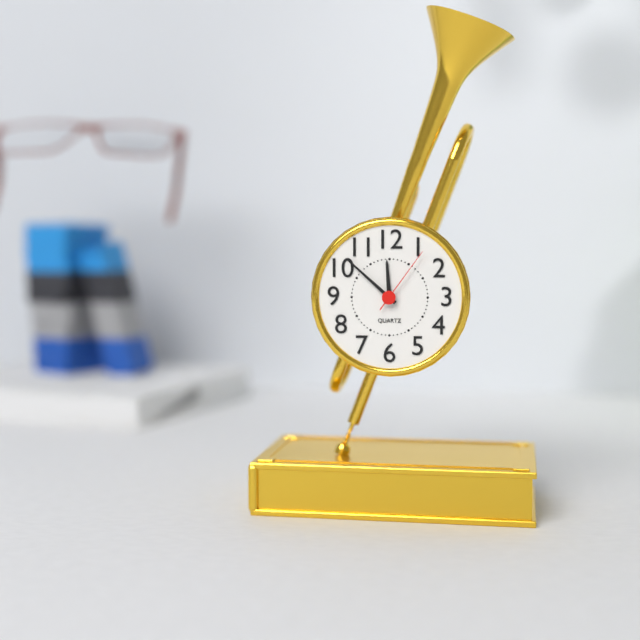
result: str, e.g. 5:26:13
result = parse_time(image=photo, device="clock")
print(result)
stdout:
11:52:06
